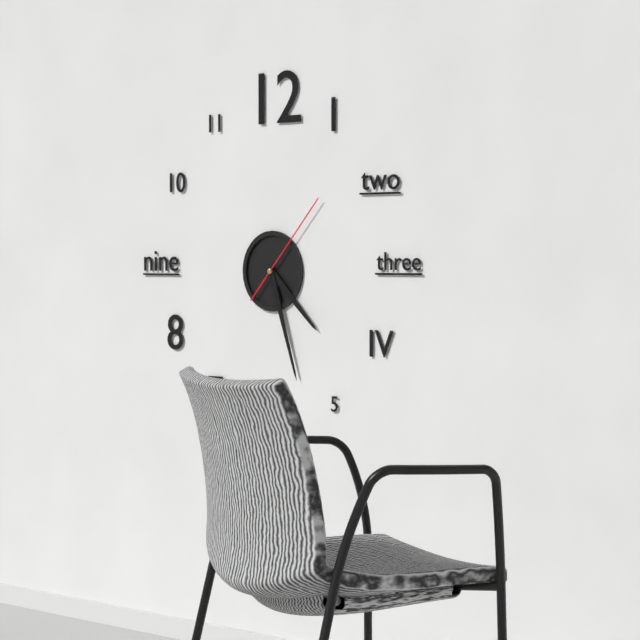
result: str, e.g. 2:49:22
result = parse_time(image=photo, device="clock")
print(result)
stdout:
4:27:07
